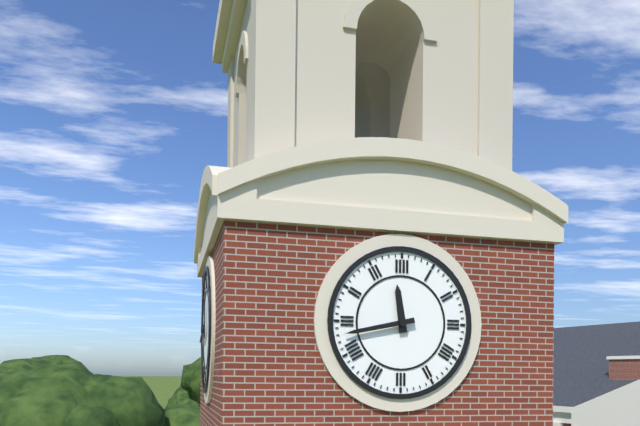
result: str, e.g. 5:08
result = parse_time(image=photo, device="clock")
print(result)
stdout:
11:43
